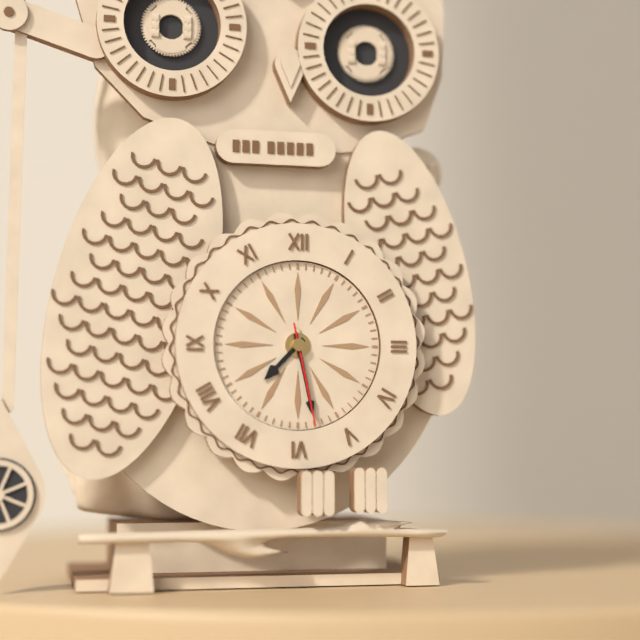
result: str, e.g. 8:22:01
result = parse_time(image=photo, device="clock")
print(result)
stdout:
7:28:28
